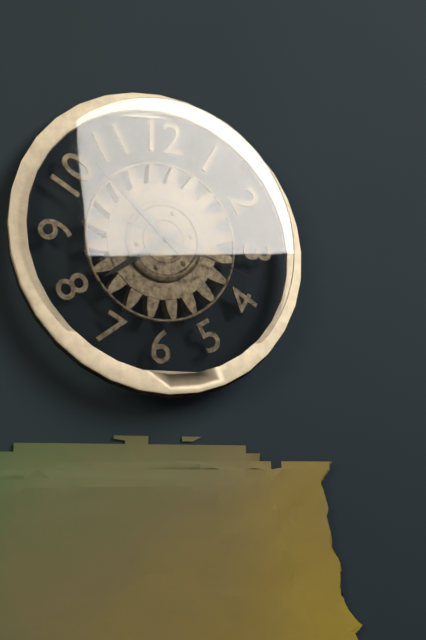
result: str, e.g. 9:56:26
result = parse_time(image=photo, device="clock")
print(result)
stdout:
7:52:18
